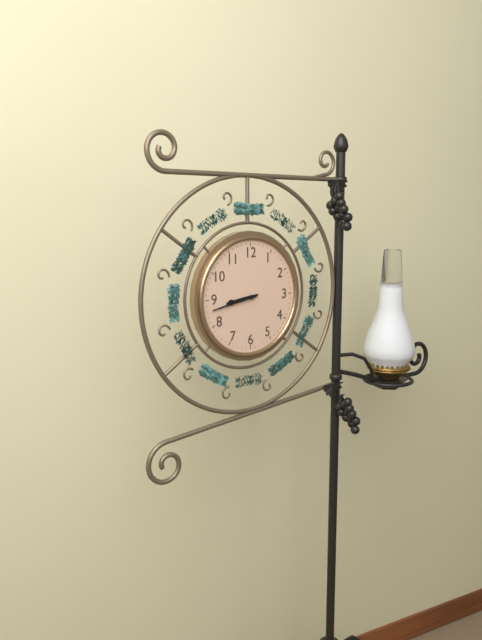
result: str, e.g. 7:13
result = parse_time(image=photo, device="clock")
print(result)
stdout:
8:43
